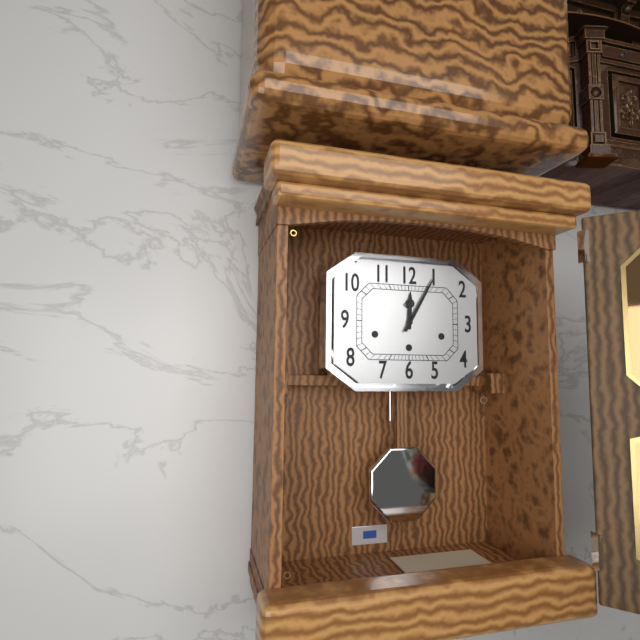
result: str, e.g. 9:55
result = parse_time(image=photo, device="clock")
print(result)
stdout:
12:05
